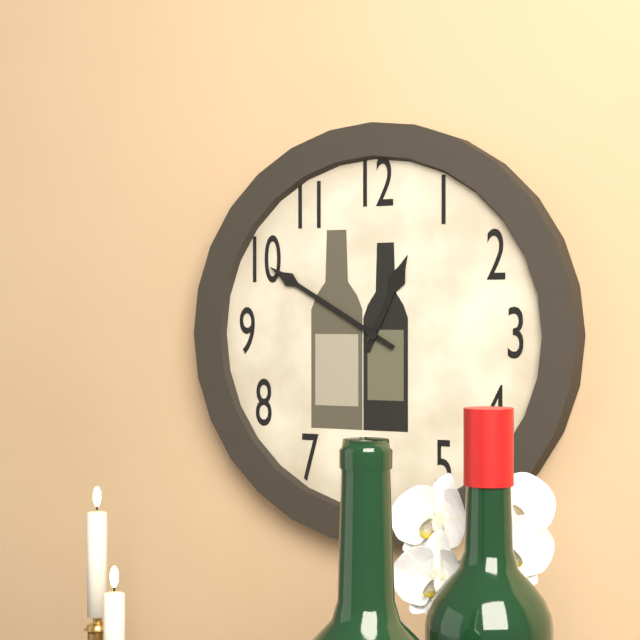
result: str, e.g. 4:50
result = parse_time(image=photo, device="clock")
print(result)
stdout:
12:50
